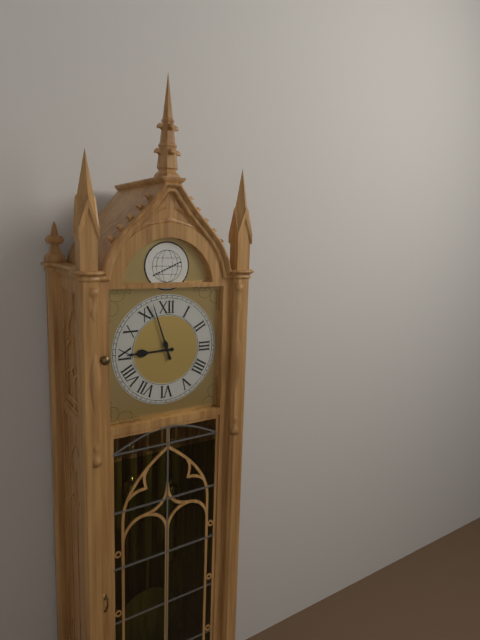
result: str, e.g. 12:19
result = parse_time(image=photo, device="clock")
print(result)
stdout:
8:57
